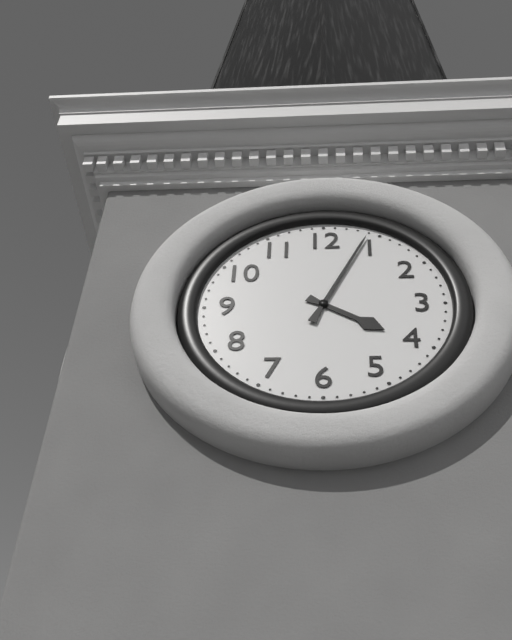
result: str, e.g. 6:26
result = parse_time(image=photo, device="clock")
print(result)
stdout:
4:04
